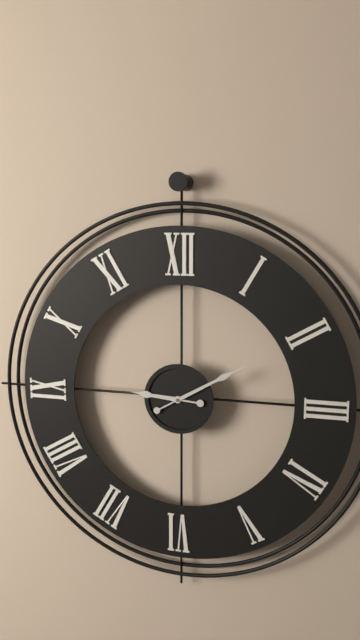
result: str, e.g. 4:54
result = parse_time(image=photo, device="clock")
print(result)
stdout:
9:10
